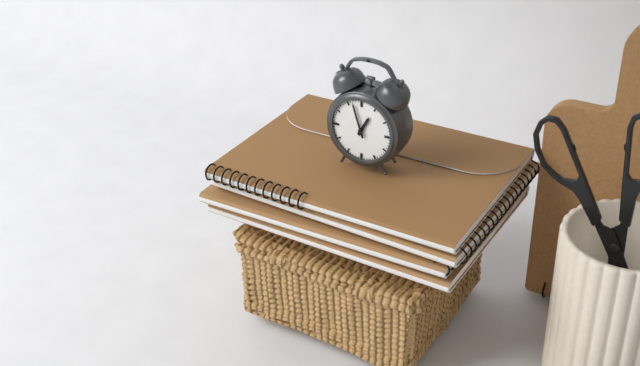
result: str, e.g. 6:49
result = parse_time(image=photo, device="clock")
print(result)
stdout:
12:57
